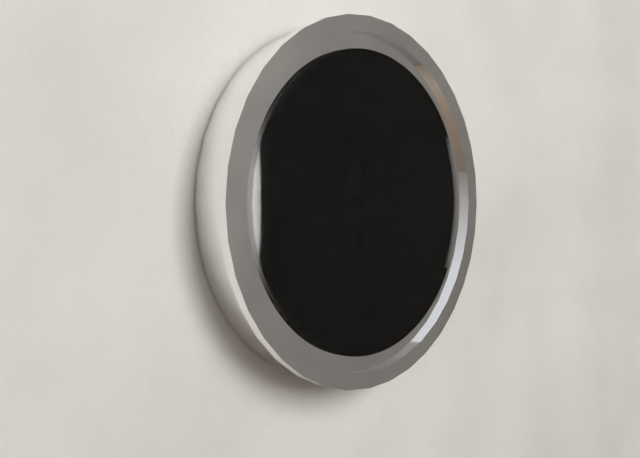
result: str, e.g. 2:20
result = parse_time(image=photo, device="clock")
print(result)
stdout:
6:06
